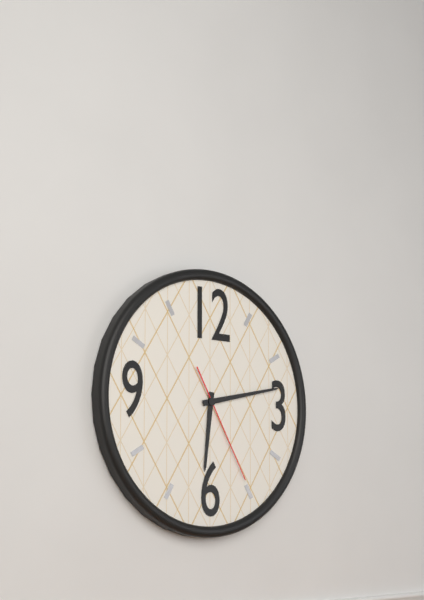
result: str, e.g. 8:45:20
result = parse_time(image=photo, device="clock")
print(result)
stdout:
6:13:25
